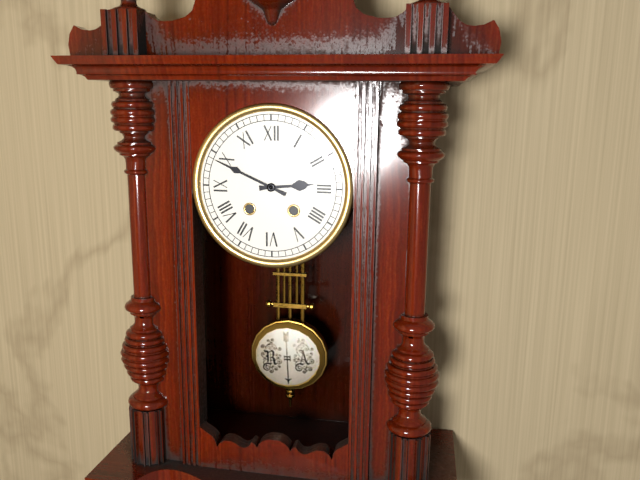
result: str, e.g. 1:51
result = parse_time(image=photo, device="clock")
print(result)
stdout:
2:49
